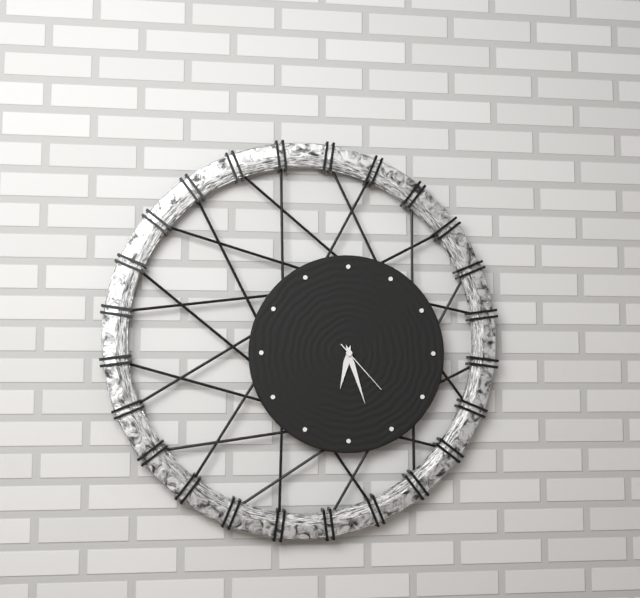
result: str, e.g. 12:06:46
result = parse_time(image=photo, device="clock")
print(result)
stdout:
6:27:23
